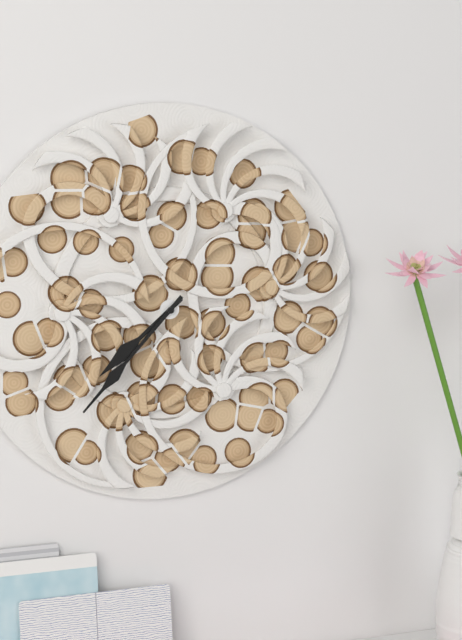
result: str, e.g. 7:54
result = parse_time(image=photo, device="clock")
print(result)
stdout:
7:37
